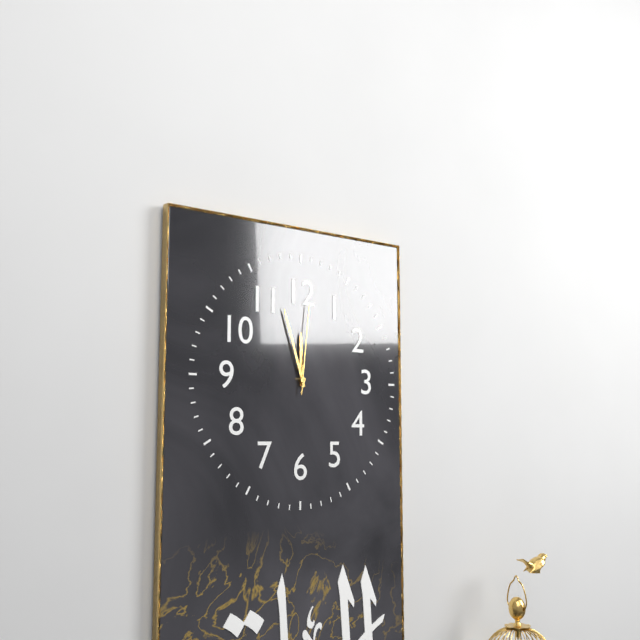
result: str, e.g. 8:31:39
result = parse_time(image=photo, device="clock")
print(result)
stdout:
11:57:01
